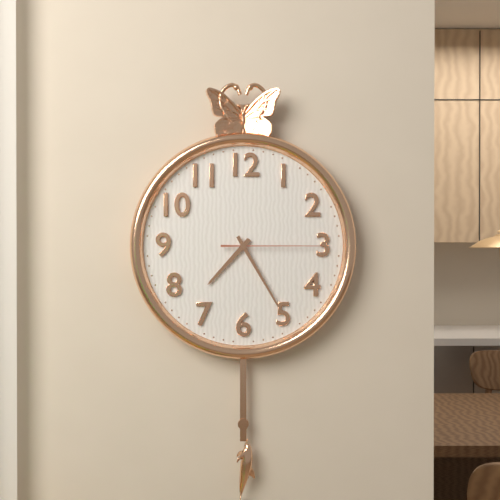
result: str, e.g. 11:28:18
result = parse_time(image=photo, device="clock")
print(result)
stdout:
7:25:15
